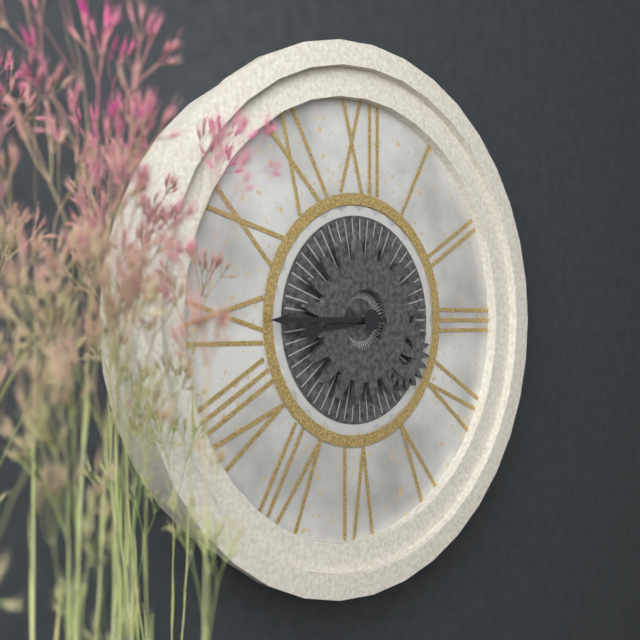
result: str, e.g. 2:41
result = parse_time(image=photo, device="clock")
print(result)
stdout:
8:45
